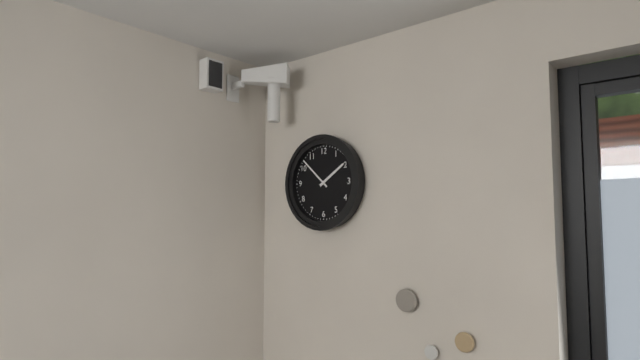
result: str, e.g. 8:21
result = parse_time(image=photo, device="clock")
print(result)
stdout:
1:52
